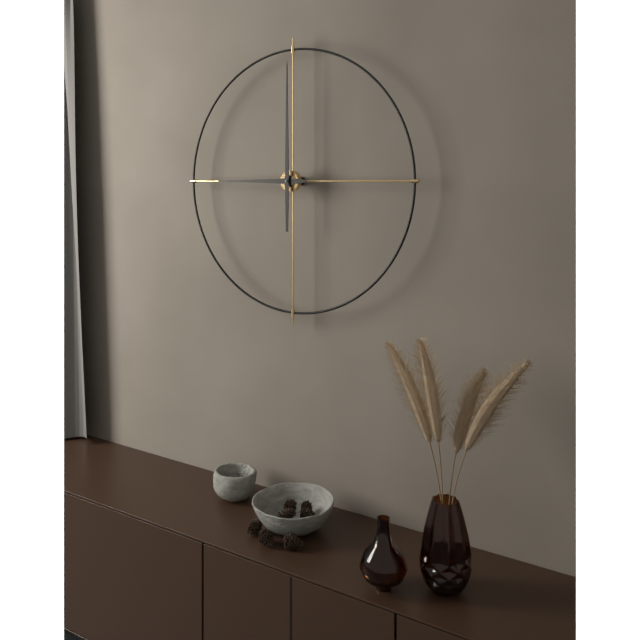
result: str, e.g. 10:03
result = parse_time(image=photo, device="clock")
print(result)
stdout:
9:00
